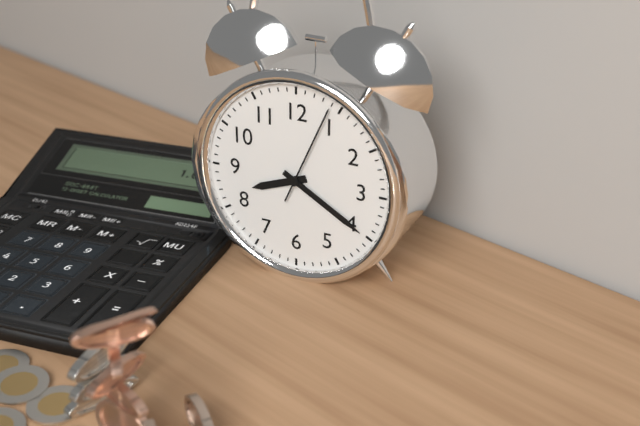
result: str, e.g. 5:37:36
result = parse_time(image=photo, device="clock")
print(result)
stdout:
8:20:04
